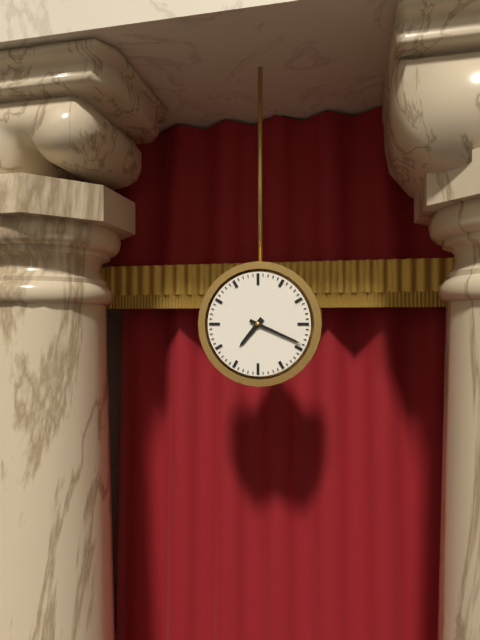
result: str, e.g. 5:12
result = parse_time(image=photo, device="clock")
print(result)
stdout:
7:19
